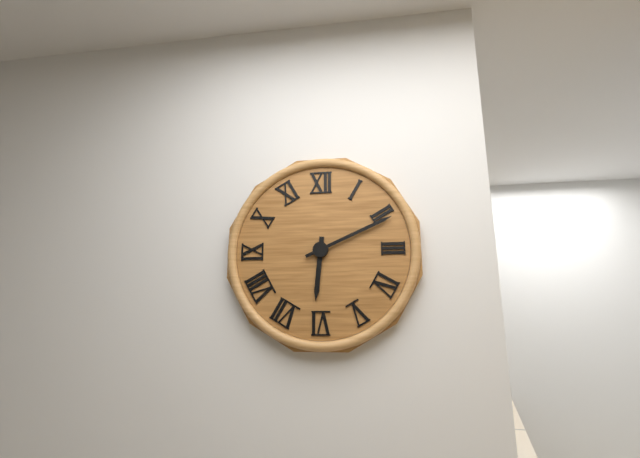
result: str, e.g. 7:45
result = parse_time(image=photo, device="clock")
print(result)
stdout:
6:11
